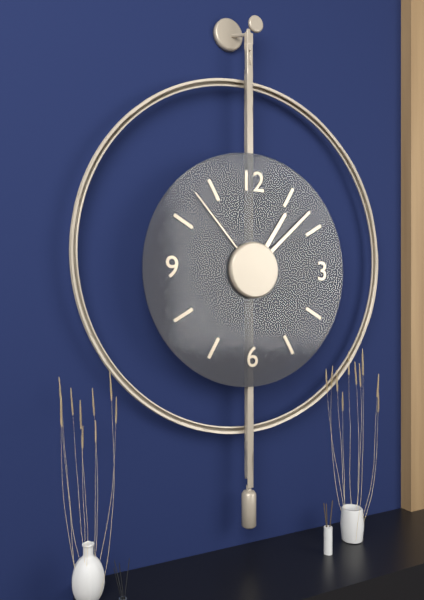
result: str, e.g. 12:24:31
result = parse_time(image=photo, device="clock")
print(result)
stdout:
1:08:53
